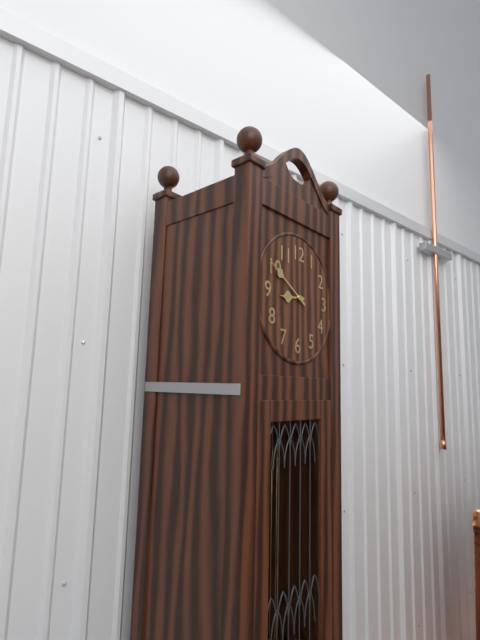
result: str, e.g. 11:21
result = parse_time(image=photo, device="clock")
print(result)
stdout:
8:50
